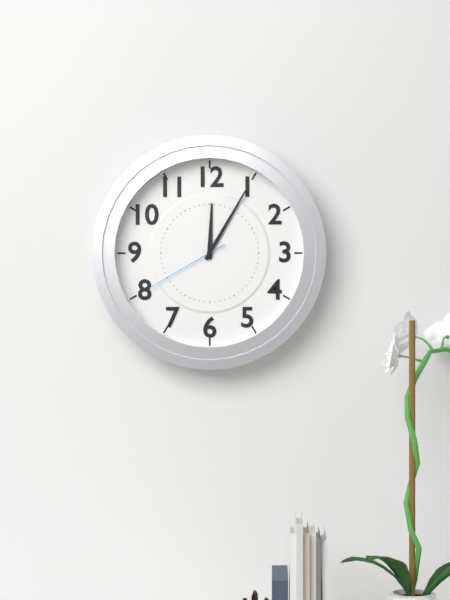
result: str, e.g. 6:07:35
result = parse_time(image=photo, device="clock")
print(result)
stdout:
12:05:40
